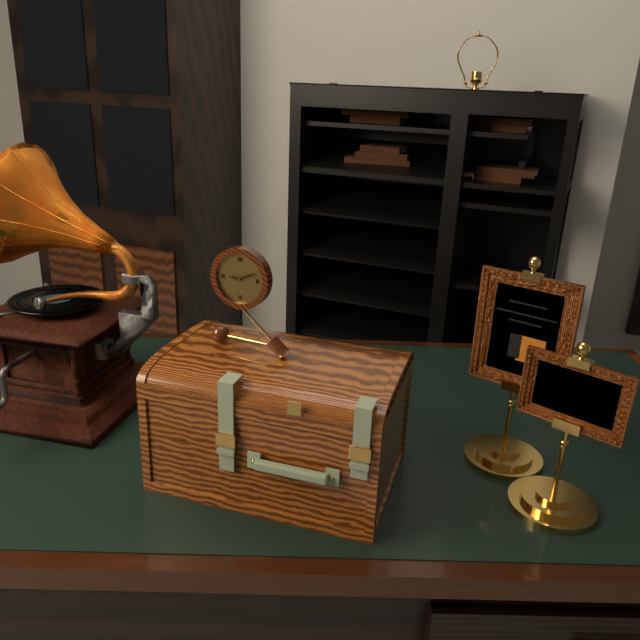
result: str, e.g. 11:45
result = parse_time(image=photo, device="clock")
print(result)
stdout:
9:11
